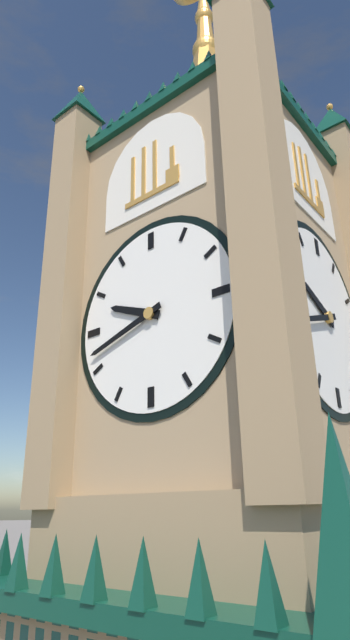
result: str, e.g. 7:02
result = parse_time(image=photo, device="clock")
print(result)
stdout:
9:42
